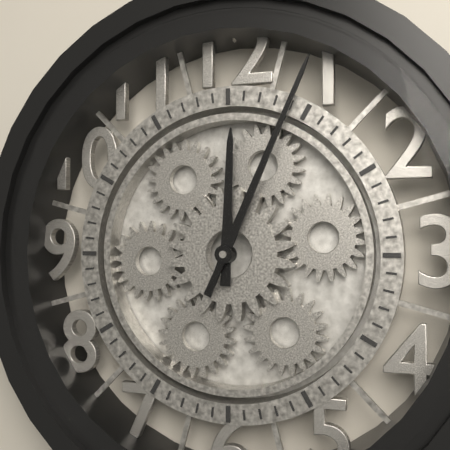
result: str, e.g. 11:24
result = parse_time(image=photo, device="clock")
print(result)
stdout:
12:04
